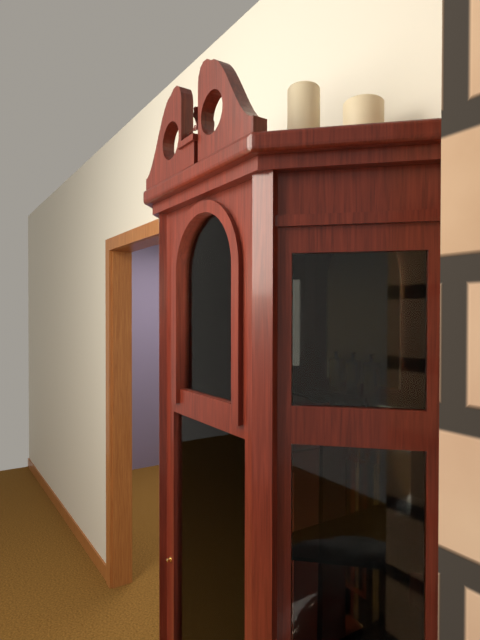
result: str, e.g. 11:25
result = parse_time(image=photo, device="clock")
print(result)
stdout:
3:51
